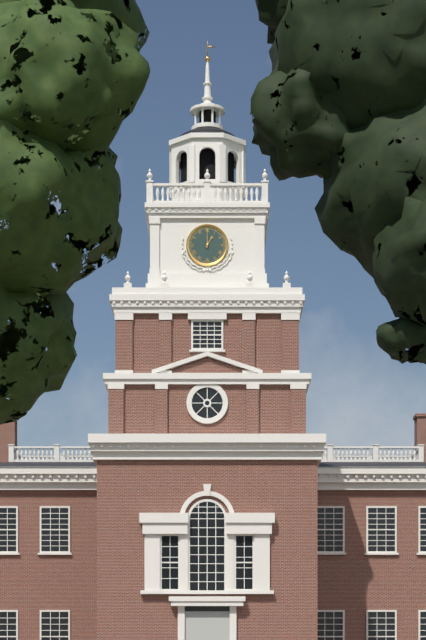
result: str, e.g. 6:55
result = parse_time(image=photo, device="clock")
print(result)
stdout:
1:00
